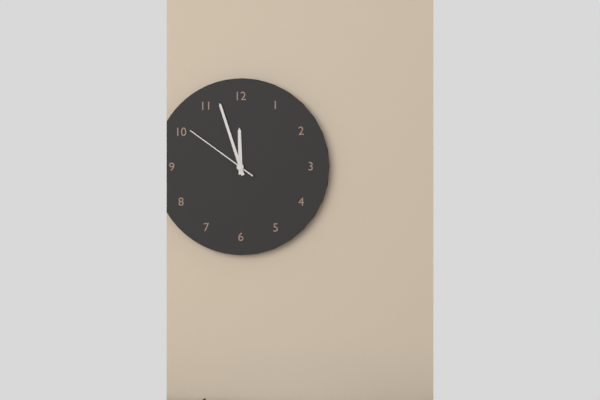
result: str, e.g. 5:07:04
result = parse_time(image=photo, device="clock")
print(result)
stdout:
11:57:51
